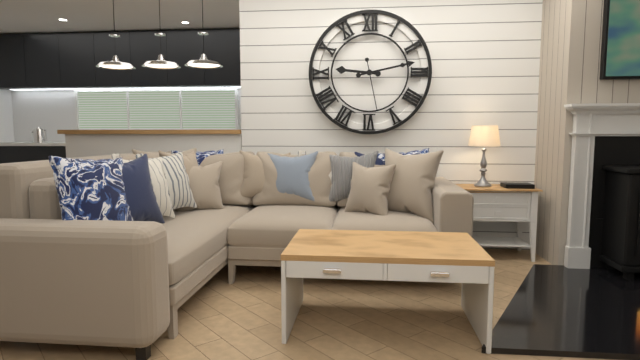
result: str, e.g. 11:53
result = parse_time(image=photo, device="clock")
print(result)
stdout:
9:13
